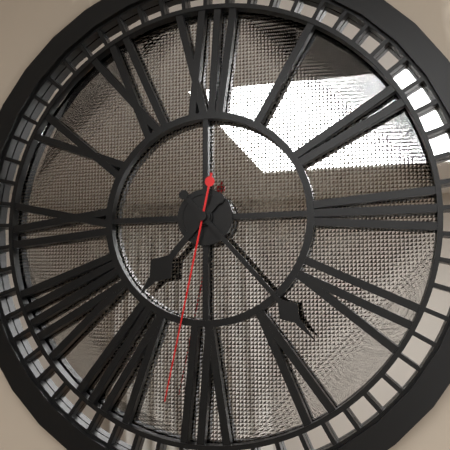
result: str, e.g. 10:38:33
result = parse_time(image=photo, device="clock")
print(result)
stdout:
7:23:32
